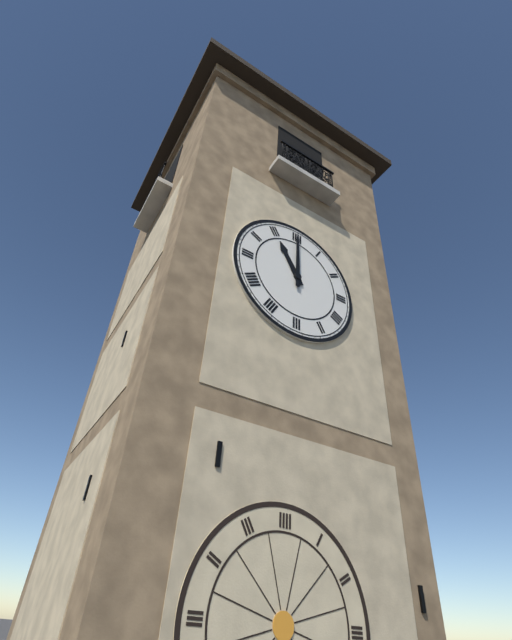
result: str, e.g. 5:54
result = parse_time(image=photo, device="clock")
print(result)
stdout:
11:00
